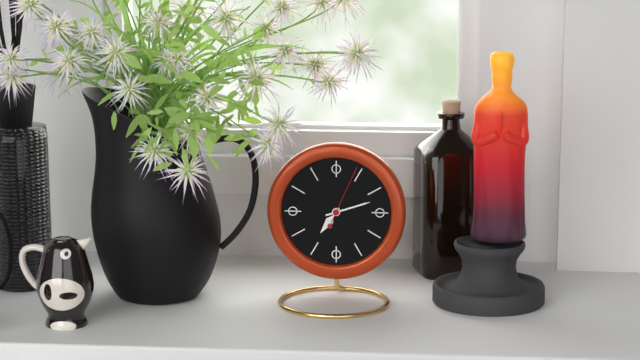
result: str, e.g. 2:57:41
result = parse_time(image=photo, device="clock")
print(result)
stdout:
7:12:04
